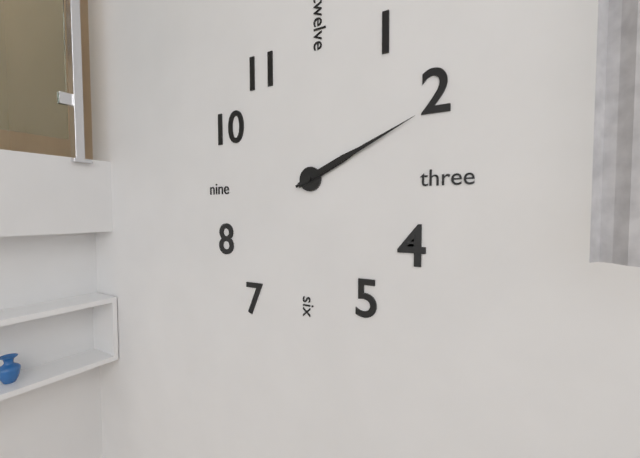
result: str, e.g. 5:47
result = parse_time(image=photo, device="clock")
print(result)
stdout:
2:11
